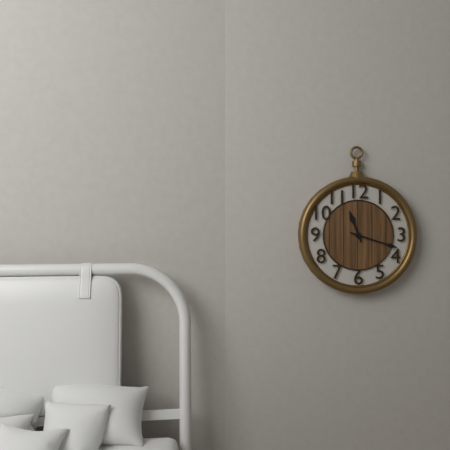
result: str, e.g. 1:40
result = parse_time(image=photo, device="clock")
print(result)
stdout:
11:18
